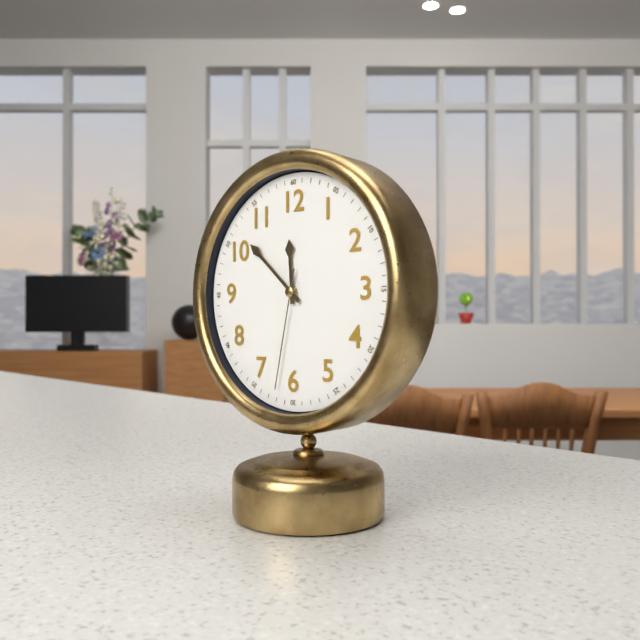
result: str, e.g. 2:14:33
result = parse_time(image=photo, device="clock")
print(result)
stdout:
11:52:32
